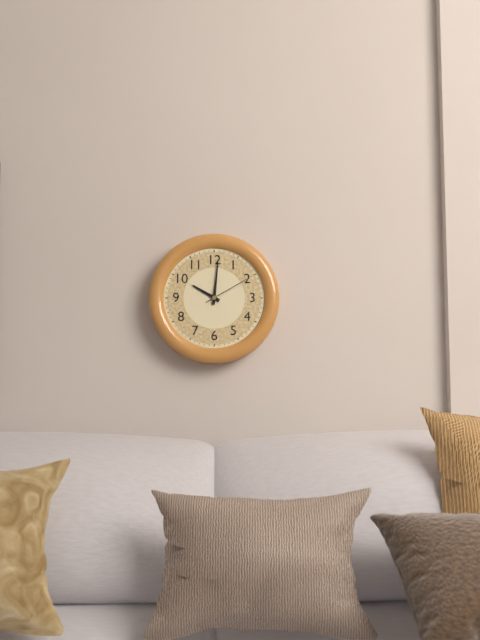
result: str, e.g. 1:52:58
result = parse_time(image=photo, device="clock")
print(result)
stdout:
10:01:10
